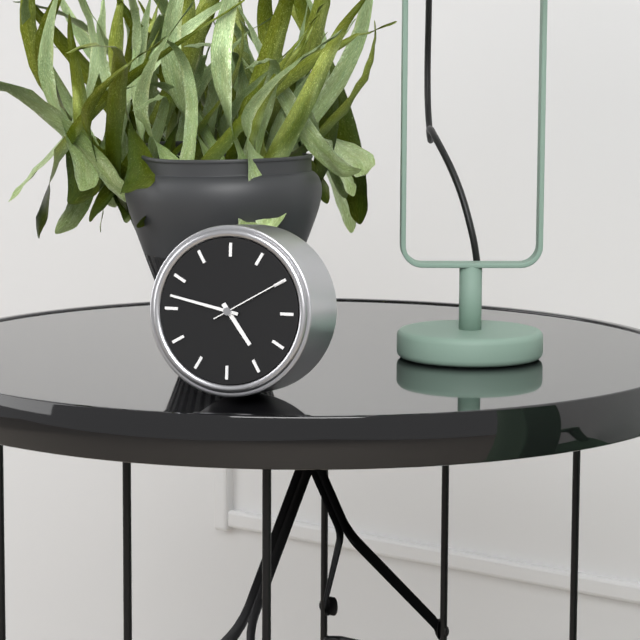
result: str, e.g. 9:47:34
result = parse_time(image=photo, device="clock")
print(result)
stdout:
4:47:10
